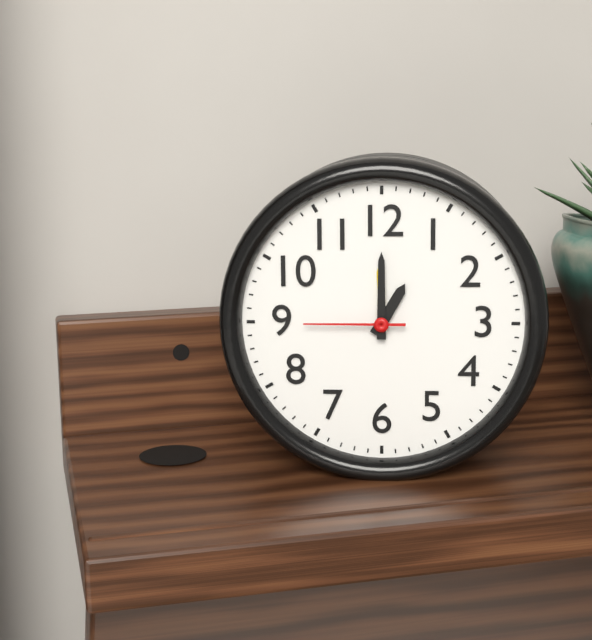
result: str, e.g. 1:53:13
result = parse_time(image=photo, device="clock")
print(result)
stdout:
1:00:45
